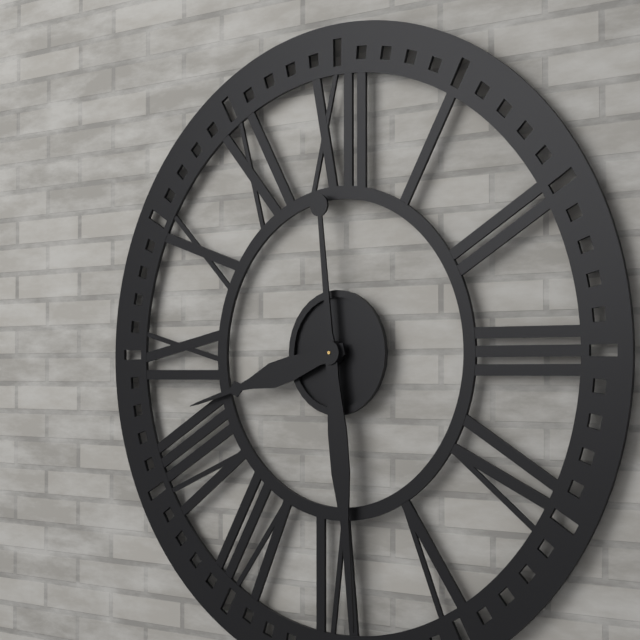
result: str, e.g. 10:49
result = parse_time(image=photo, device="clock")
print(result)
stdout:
8:29
